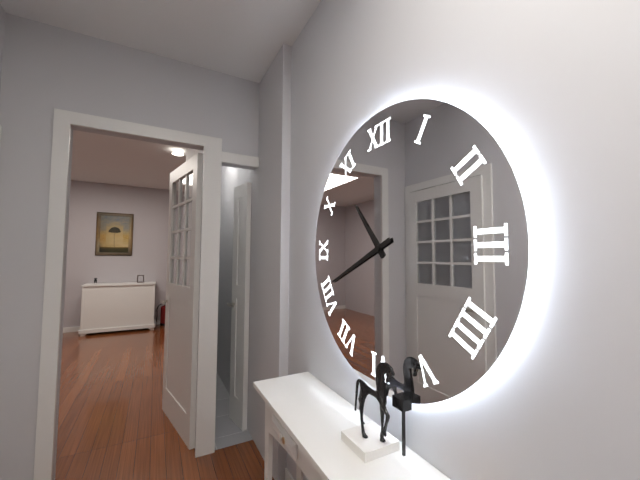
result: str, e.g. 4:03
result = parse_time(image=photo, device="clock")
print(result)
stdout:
10:41
